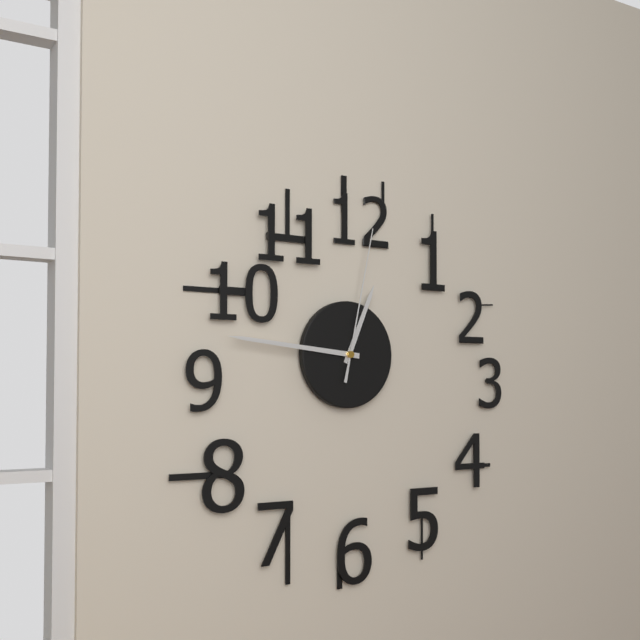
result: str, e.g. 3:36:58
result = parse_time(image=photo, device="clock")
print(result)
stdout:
12:46:02
